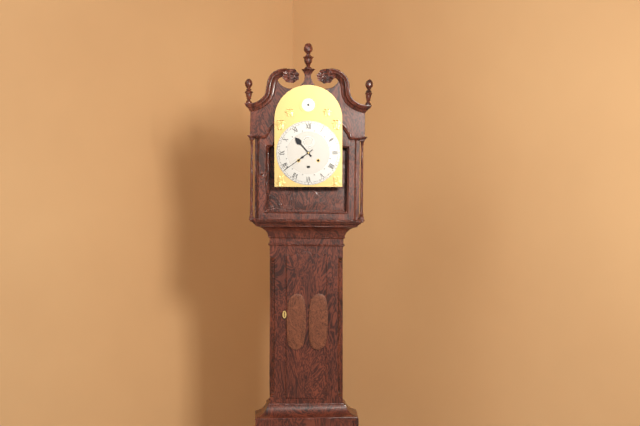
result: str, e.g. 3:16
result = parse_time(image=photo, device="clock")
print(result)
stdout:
10:39
